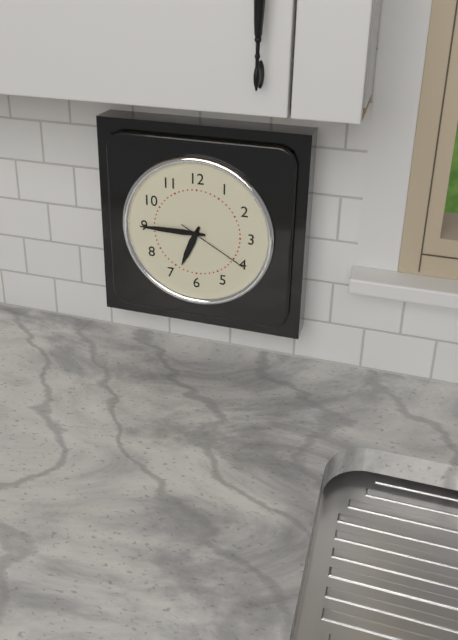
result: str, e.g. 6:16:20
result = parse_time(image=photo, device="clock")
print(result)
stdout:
6:45:20
